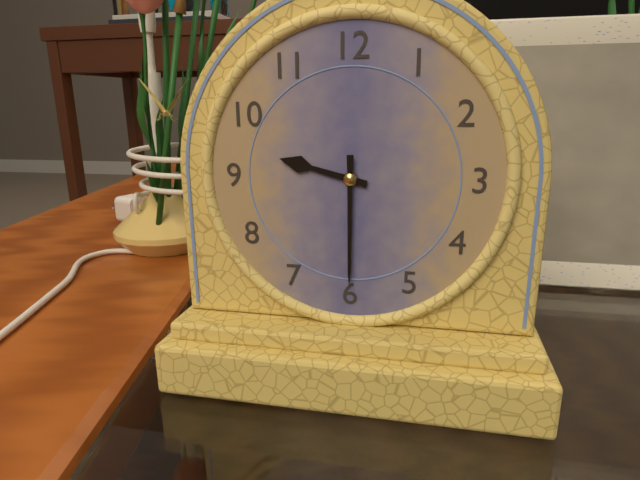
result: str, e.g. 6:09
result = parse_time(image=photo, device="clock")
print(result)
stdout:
9:30
